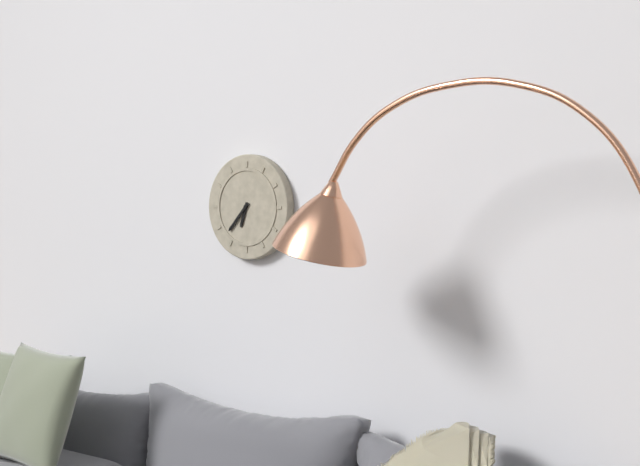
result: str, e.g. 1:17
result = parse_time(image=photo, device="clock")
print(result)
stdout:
6:37
